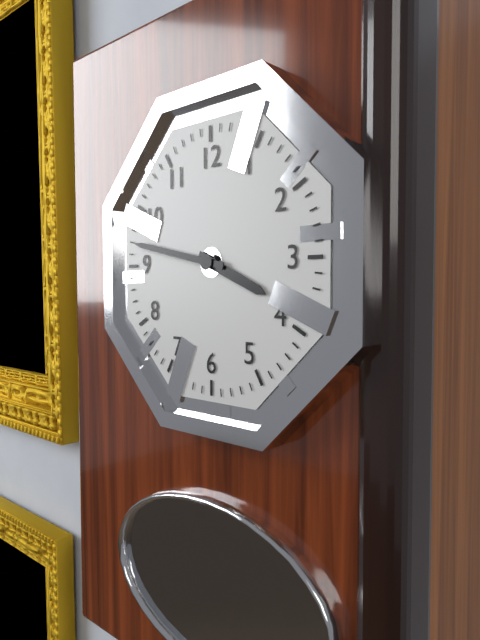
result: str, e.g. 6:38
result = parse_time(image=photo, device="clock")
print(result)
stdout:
3:47
